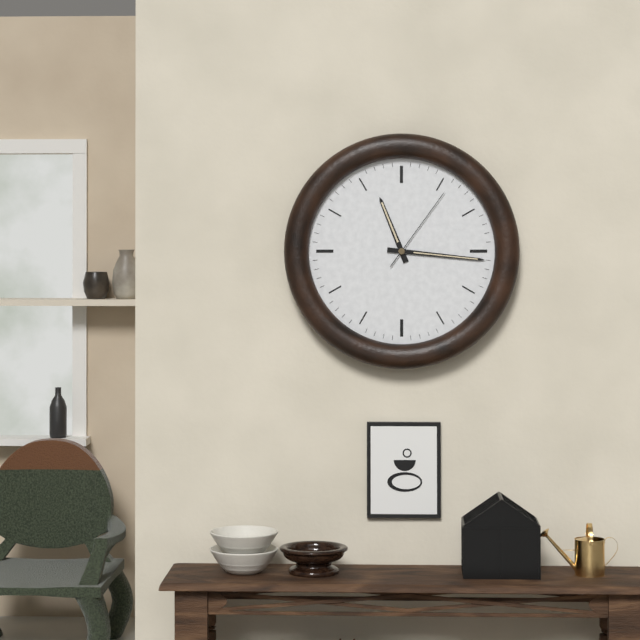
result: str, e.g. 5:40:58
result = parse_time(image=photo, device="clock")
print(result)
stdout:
11:16:06
